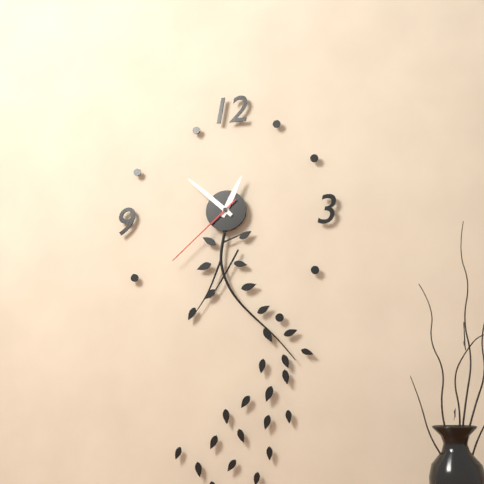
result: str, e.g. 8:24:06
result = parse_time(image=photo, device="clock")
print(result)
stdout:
12:52:38
